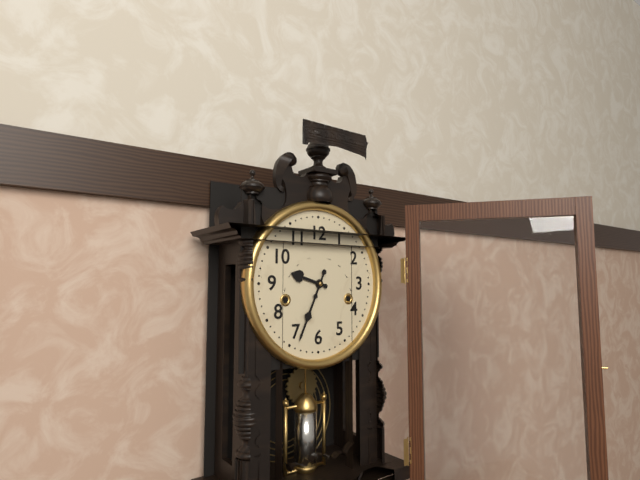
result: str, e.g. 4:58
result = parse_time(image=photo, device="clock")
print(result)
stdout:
9:34
